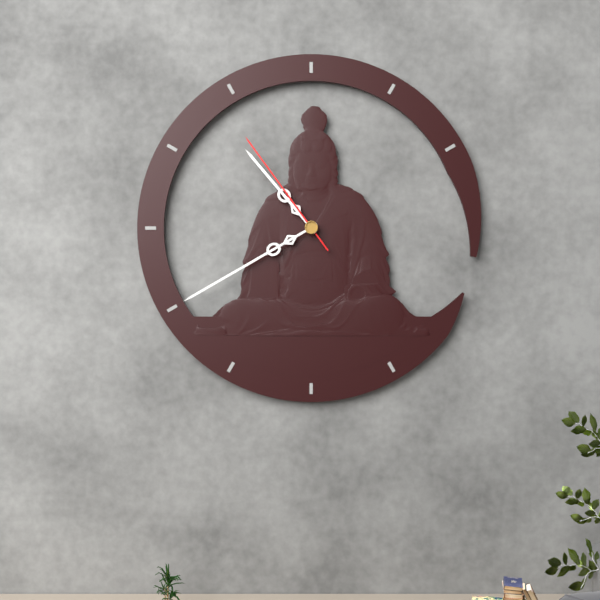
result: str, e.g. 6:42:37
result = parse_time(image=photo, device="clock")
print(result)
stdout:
10:40:54
